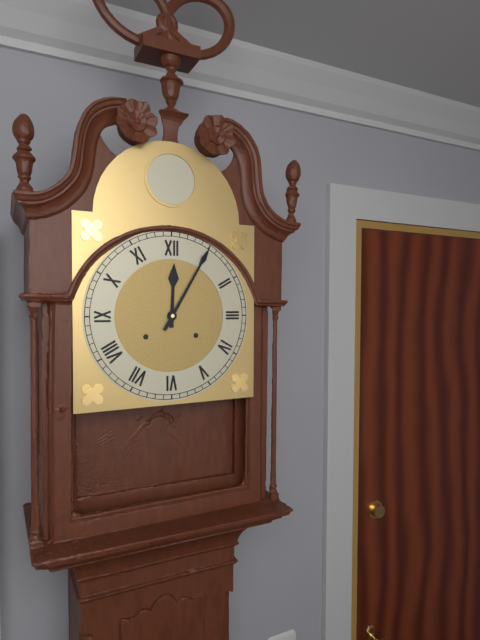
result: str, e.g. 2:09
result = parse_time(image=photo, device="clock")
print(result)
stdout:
12:05
